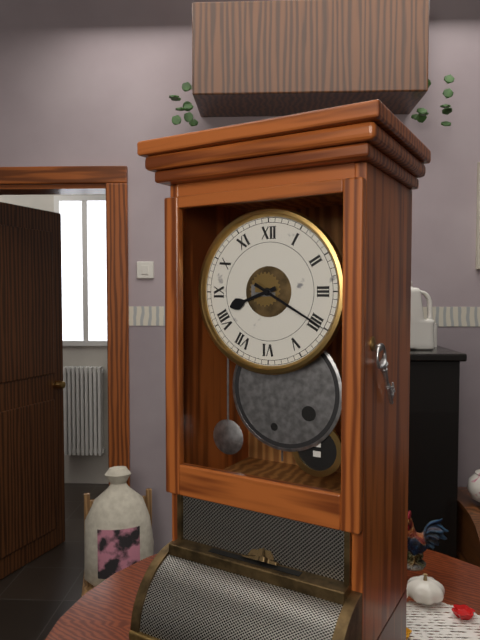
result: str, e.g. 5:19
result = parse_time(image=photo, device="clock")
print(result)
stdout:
8:20
